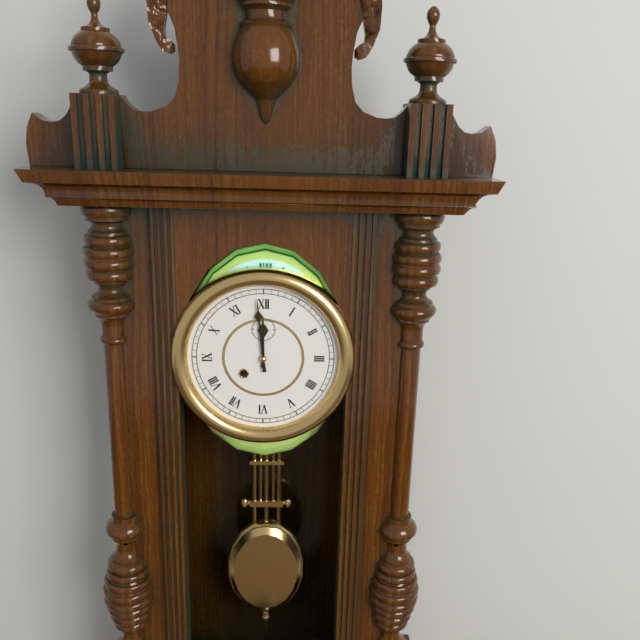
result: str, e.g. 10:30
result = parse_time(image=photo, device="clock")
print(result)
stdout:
11:59
